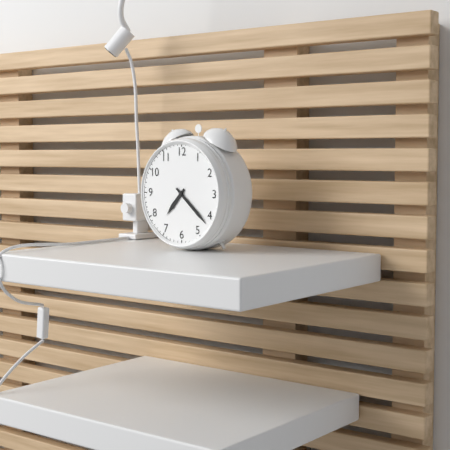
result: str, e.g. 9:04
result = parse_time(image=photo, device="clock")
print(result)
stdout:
7:22
